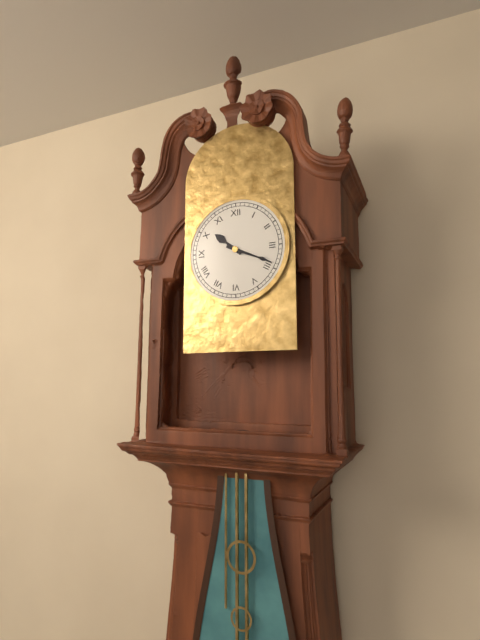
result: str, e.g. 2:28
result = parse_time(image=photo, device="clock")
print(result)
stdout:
10:19
